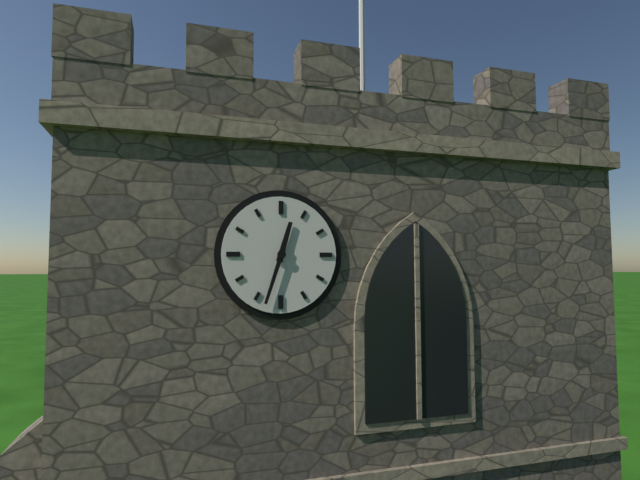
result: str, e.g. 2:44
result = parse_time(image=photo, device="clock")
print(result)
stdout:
12:33
